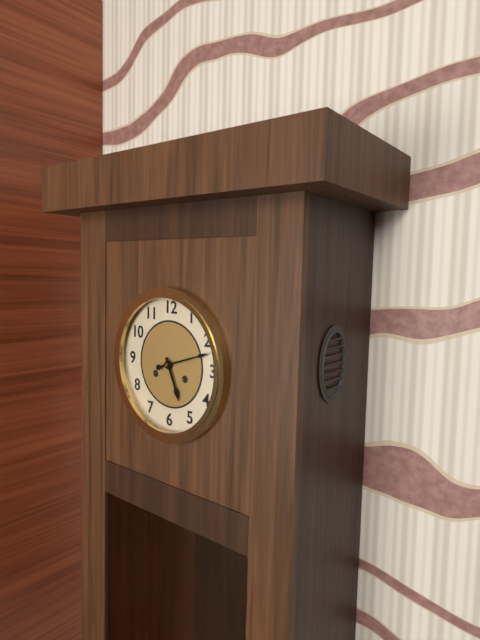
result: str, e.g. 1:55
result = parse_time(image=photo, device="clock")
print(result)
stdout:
5:12
